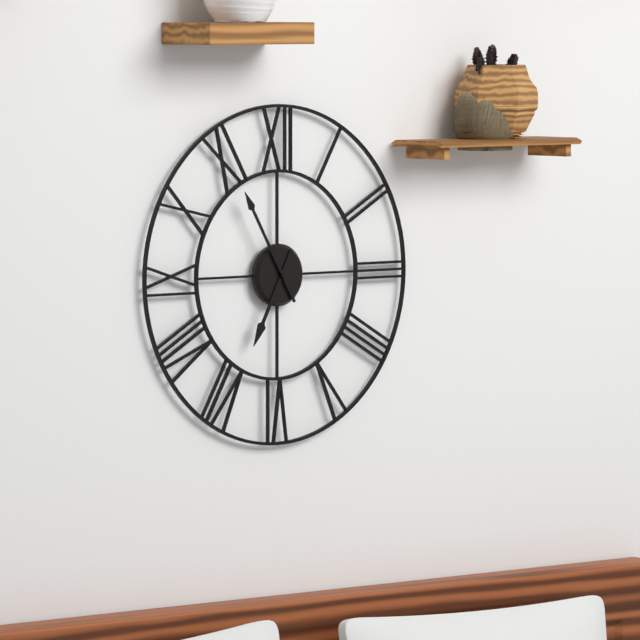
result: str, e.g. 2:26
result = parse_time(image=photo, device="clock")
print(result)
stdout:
6:55
